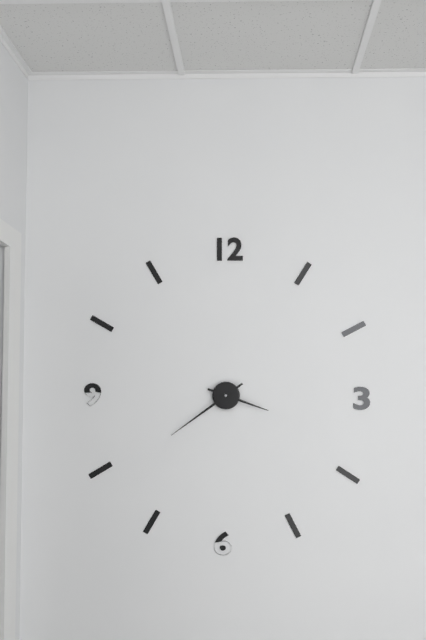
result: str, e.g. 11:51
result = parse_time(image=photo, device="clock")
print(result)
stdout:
3:39
